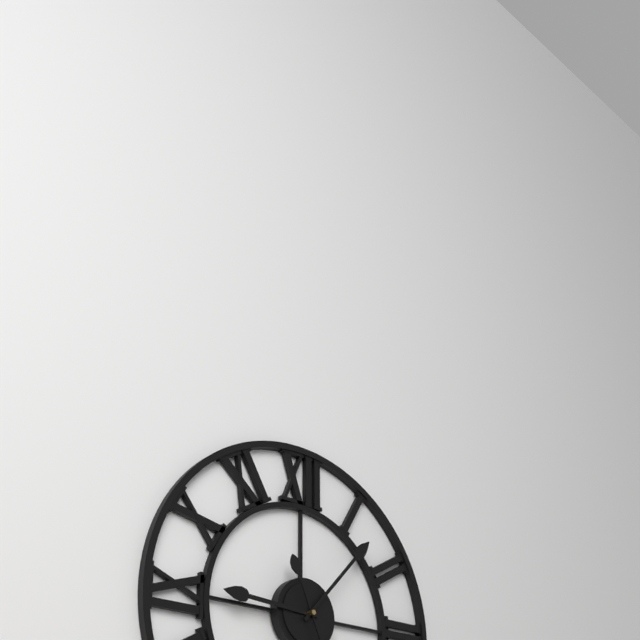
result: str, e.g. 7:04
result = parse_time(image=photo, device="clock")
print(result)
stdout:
9:07
